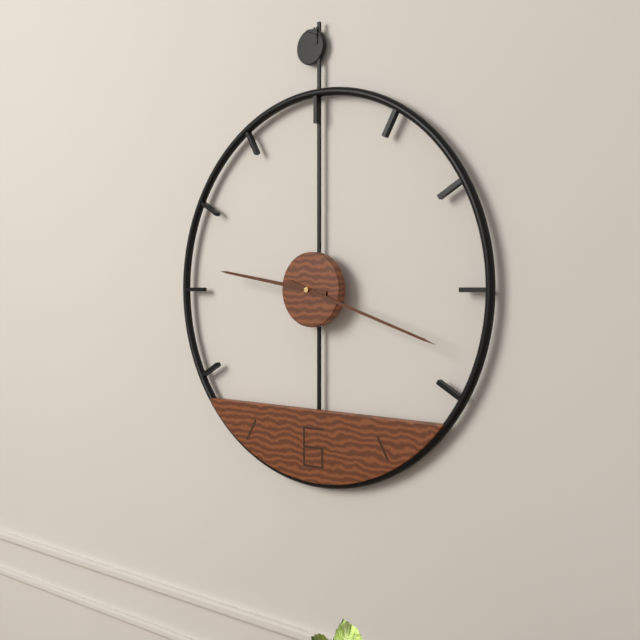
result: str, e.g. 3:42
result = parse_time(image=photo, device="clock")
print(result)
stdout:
9:18
